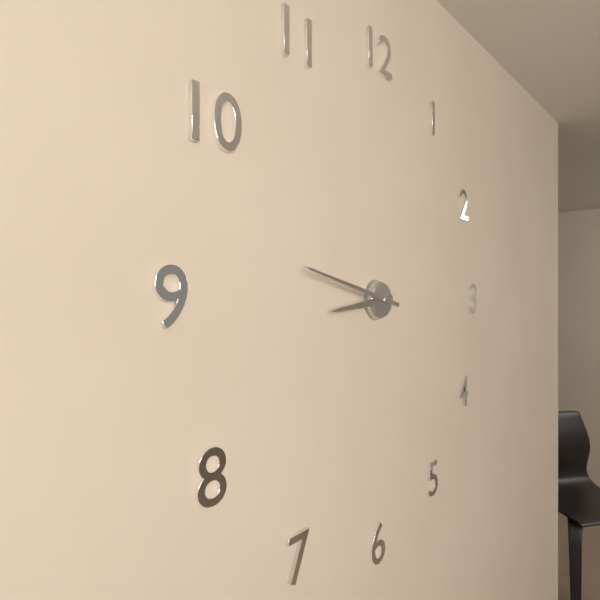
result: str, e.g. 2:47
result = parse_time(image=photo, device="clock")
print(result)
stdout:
8:47
